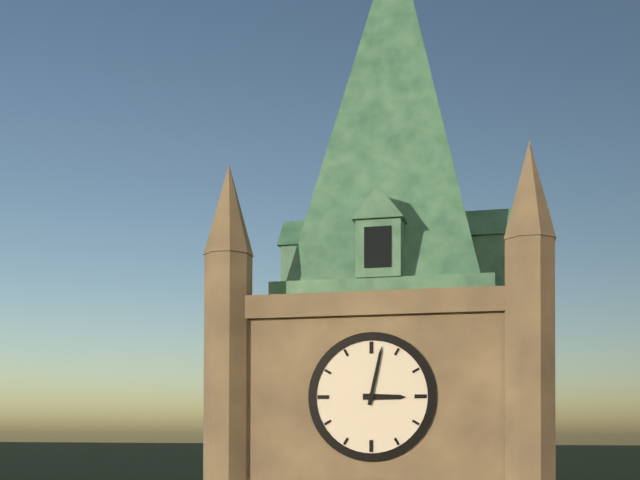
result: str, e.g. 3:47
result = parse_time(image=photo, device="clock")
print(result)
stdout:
3:02
